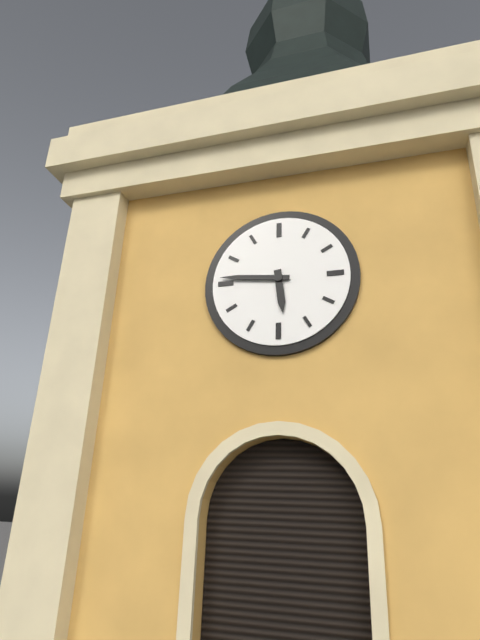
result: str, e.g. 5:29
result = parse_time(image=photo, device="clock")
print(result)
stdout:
5:46
